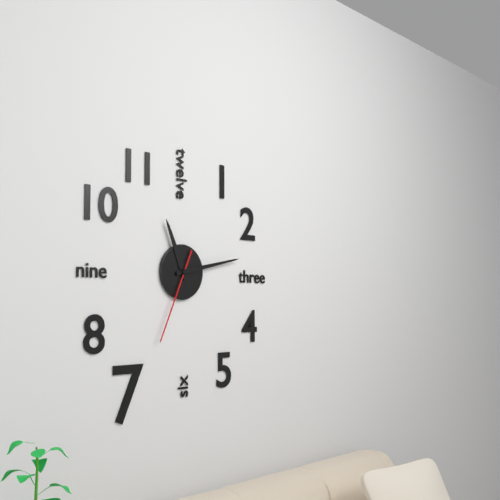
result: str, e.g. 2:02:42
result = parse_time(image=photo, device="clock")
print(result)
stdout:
11:13:34
